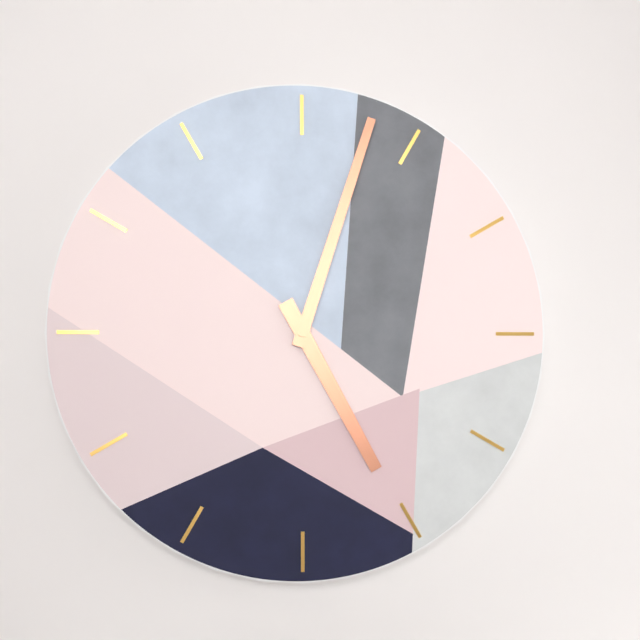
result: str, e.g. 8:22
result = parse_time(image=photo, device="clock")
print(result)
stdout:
5:03
